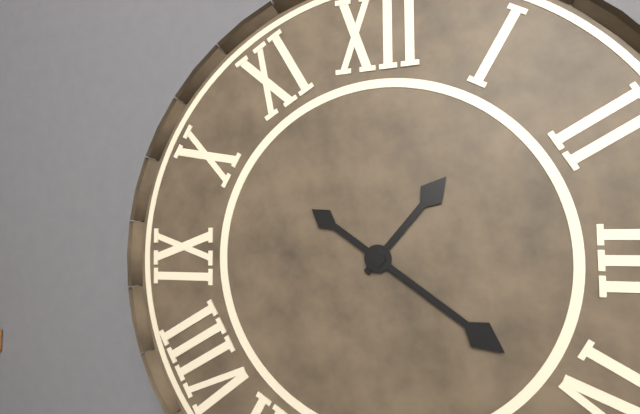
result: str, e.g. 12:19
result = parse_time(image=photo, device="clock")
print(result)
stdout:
1:21
